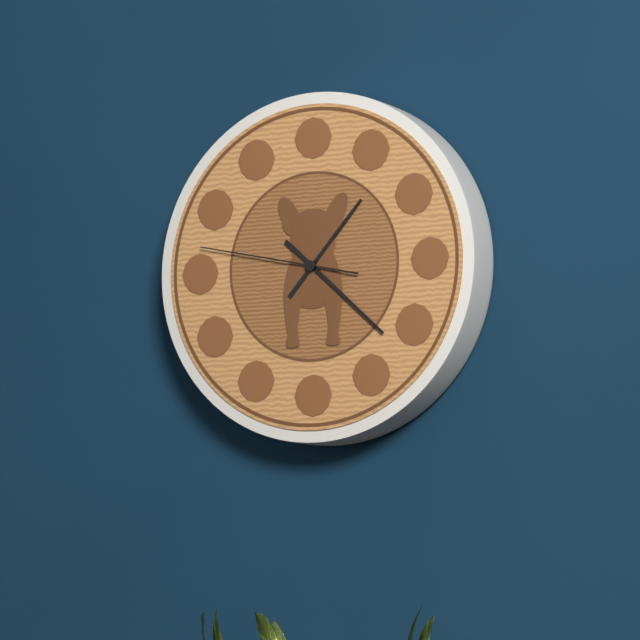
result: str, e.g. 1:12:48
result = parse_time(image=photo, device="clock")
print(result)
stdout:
1:22:47
